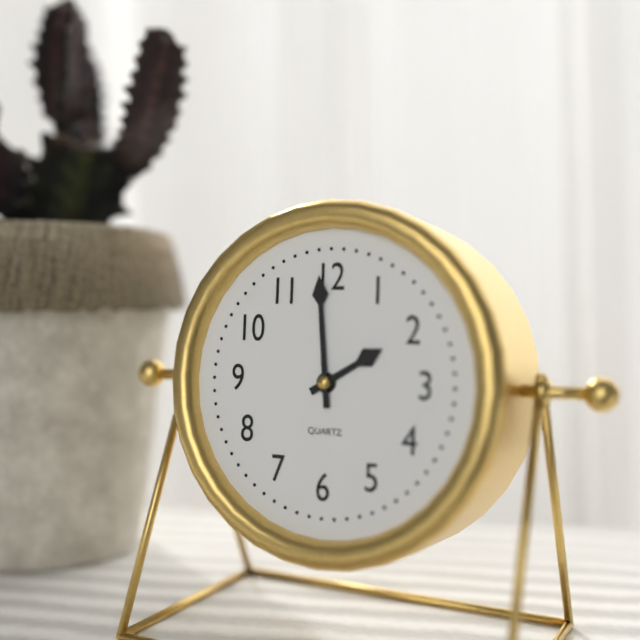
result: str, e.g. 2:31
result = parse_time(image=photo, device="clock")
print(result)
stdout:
1:59
